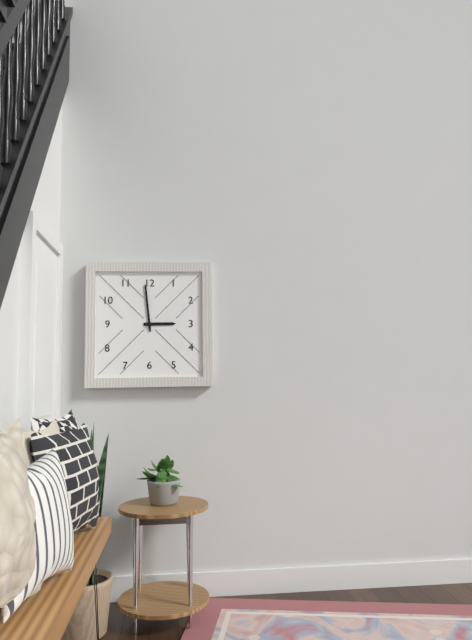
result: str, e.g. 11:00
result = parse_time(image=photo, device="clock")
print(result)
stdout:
2:59
